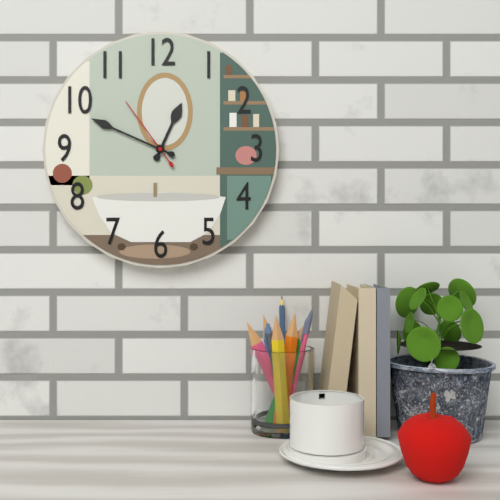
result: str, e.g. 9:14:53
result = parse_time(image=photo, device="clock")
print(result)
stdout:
12:49:54
